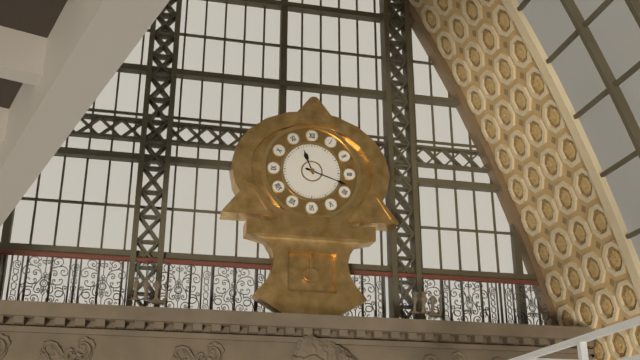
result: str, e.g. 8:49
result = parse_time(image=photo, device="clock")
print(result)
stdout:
11:18
